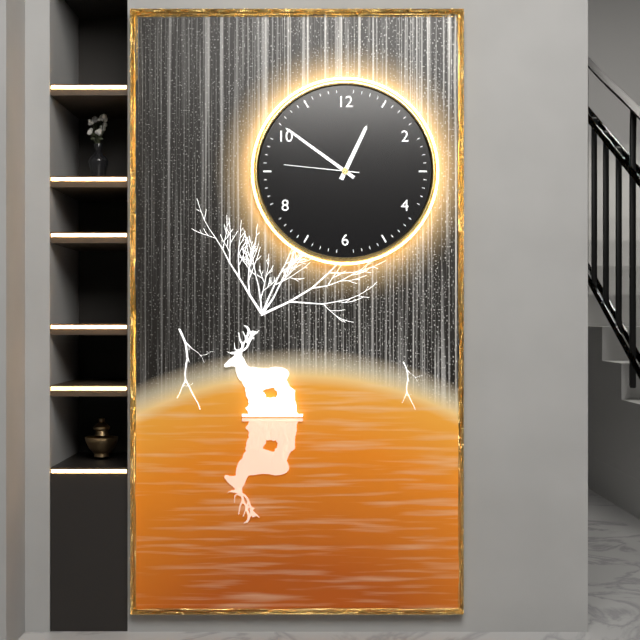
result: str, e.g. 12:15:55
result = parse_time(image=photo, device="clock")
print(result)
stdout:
12:51:46
